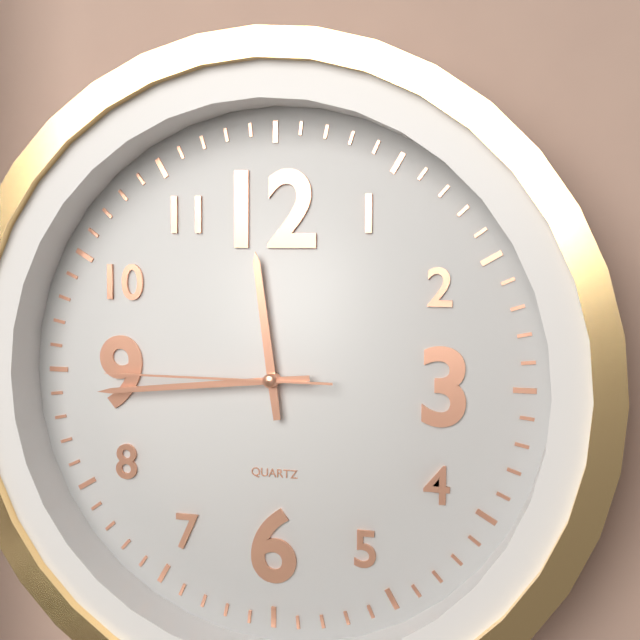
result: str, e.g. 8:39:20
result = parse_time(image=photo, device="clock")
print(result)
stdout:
11:44:45
